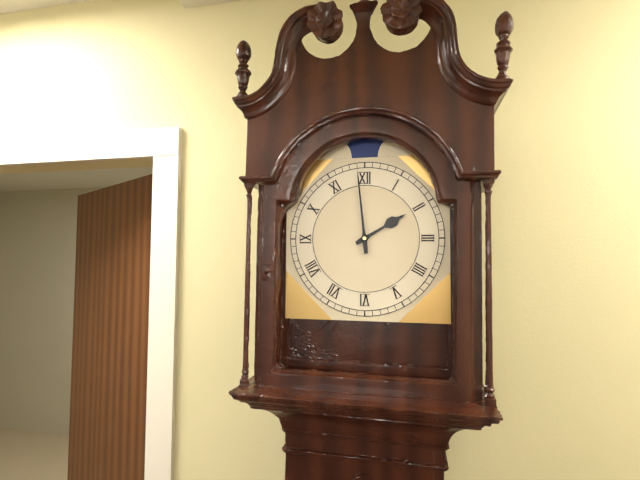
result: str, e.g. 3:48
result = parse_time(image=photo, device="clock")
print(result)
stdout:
1:59
